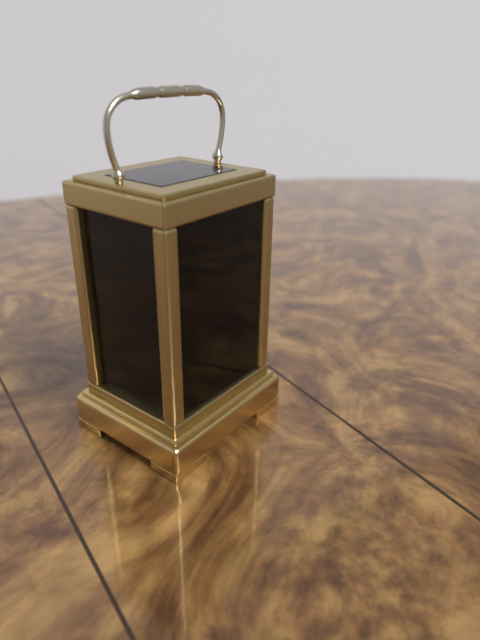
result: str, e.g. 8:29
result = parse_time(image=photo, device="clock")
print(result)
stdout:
9:58
